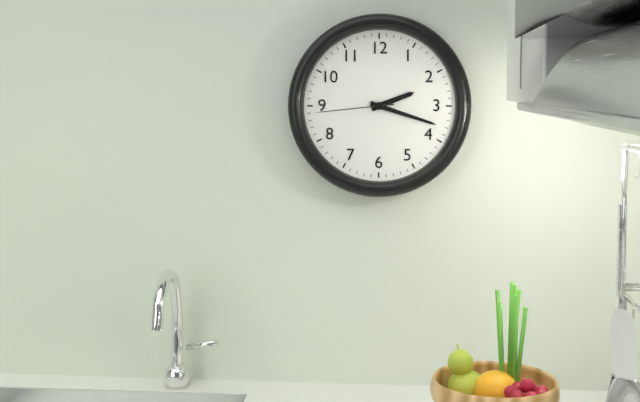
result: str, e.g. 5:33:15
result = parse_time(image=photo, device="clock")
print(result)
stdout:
2:18:44
